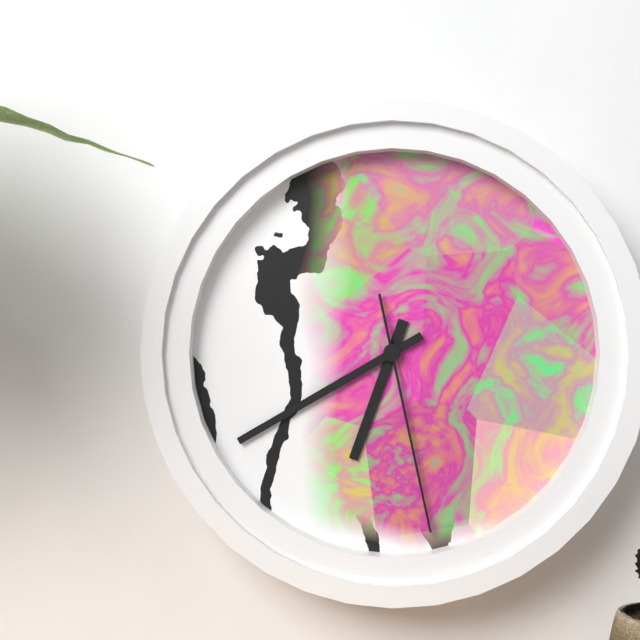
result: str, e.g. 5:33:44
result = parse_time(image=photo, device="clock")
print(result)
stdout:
6:40:28
